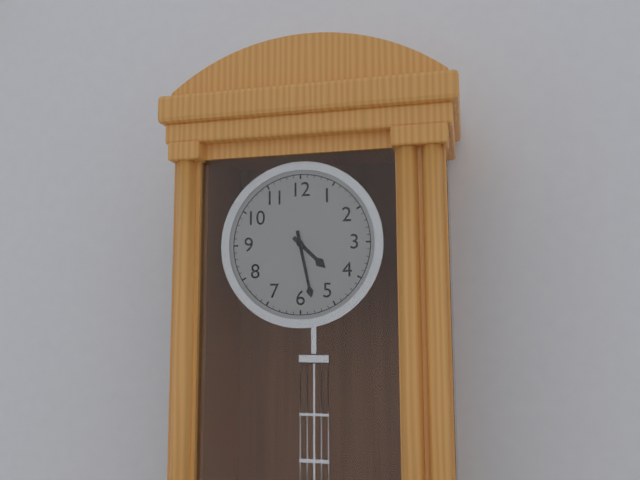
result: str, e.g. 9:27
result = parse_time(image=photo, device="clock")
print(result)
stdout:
4:28
